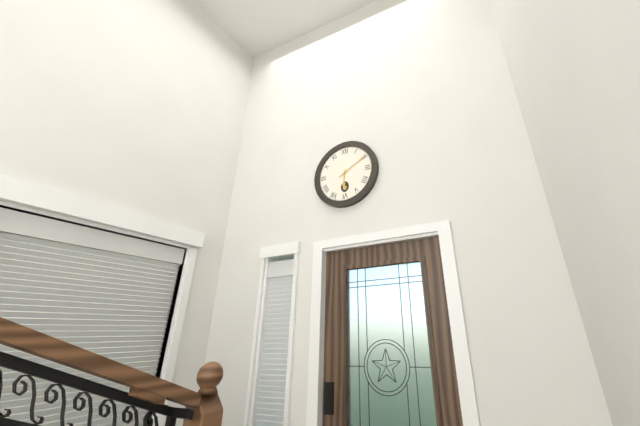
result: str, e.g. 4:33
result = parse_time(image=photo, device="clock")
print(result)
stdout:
6:10
